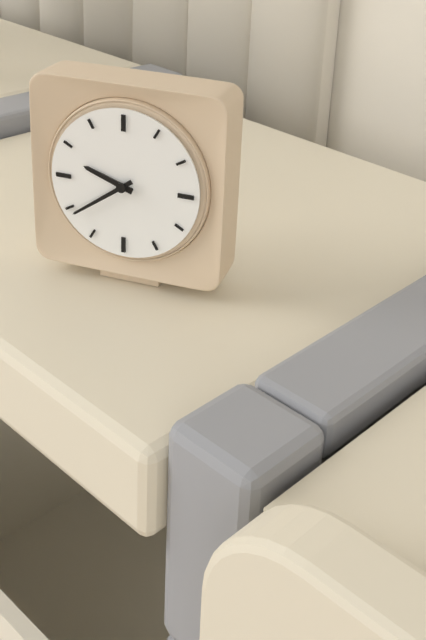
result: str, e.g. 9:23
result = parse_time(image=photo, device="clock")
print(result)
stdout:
9:39
